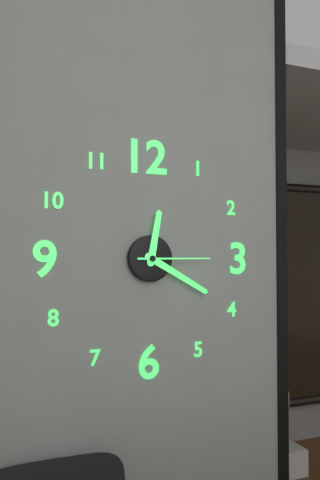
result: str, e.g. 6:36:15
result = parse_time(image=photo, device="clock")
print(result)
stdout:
12:20:15
